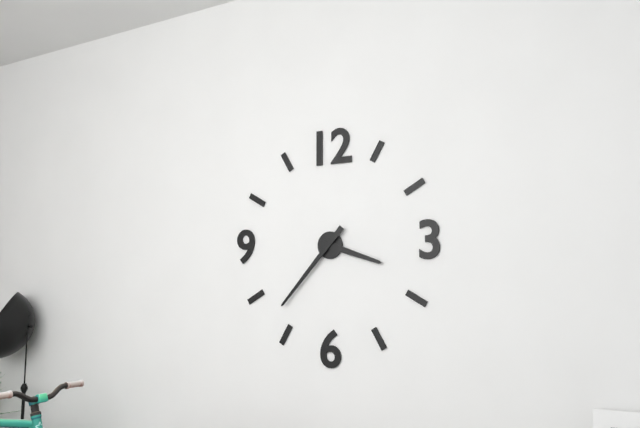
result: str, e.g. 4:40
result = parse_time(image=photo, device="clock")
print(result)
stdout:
3:37
